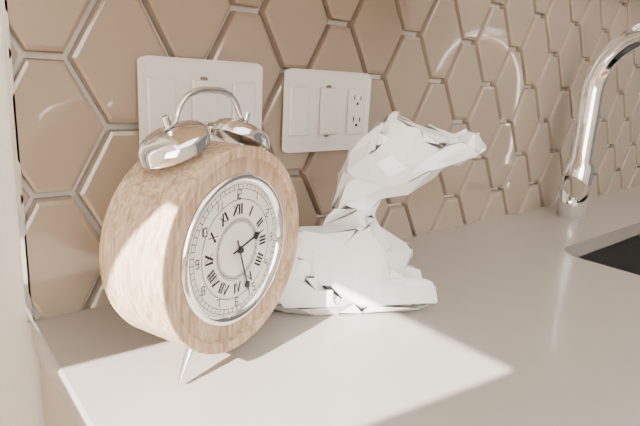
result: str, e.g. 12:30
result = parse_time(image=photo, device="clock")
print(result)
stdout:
2:27
